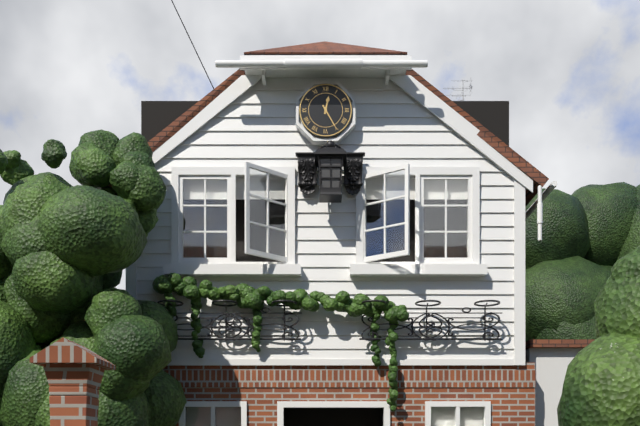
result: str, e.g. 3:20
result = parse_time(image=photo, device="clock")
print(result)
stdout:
12:25
